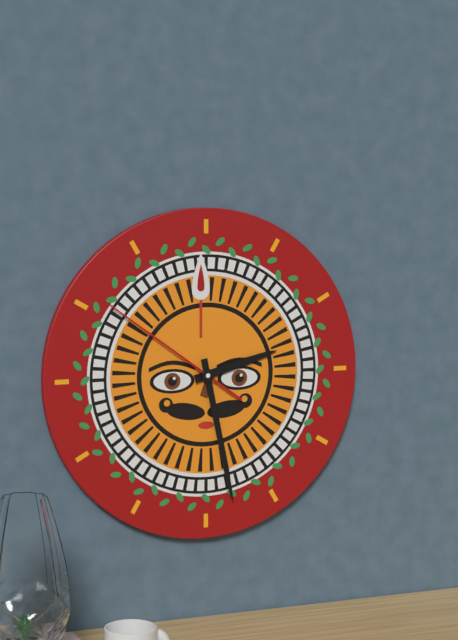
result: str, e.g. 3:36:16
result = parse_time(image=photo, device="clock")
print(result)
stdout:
2:28:51
